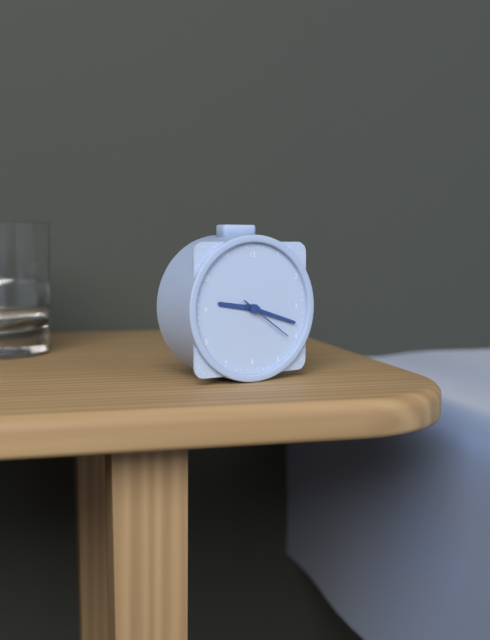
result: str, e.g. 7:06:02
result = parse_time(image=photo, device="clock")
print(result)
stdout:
9:18:21
